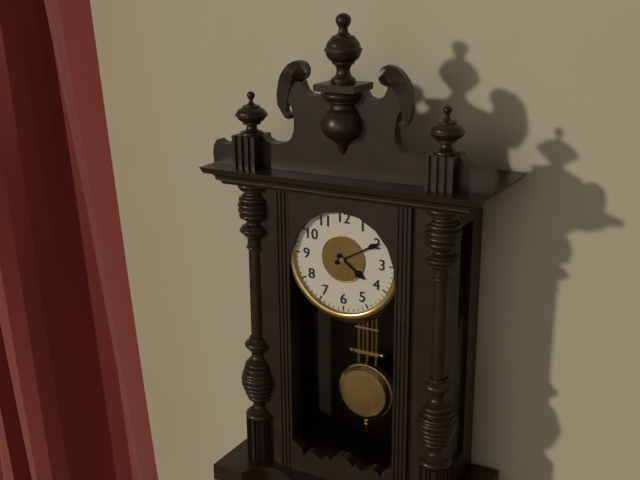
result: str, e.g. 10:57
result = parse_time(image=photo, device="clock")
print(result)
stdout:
4:10
